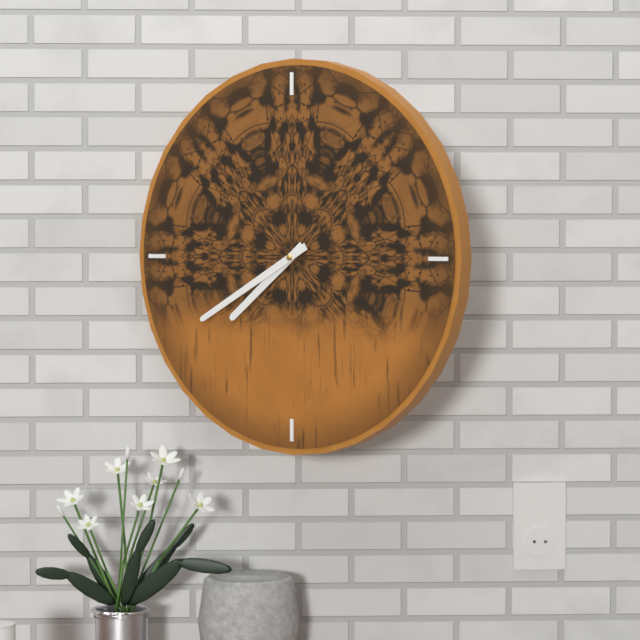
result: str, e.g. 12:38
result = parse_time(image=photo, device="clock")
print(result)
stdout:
7:40
